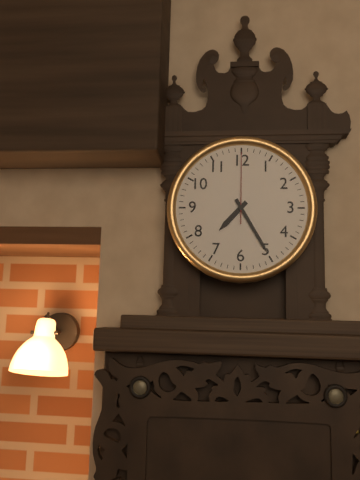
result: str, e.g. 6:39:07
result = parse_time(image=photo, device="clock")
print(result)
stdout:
7:25:00
